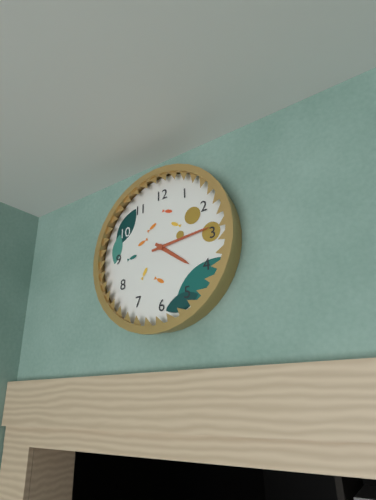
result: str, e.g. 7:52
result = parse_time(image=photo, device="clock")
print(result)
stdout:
4:14
